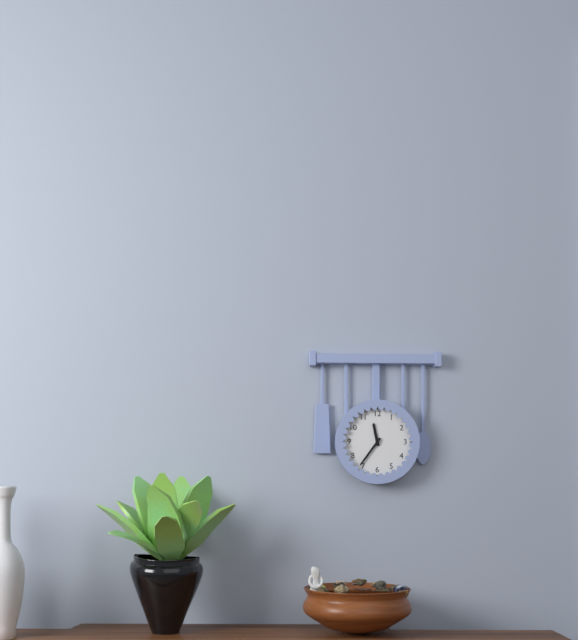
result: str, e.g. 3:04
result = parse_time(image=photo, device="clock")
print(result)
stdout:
11:36
